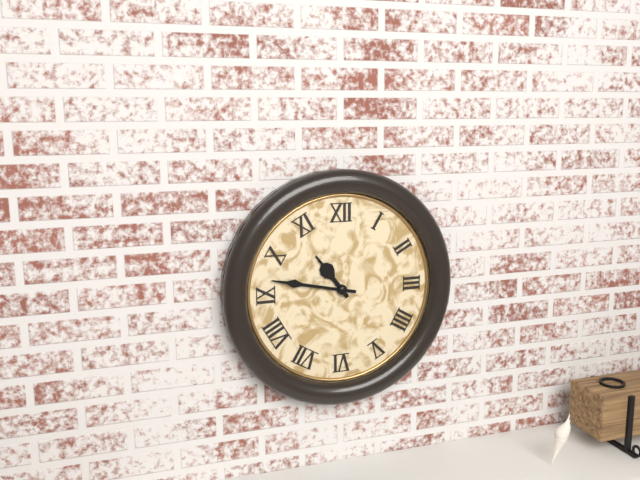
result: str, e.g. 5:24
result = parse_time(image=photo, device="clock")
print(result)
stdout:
10:47
